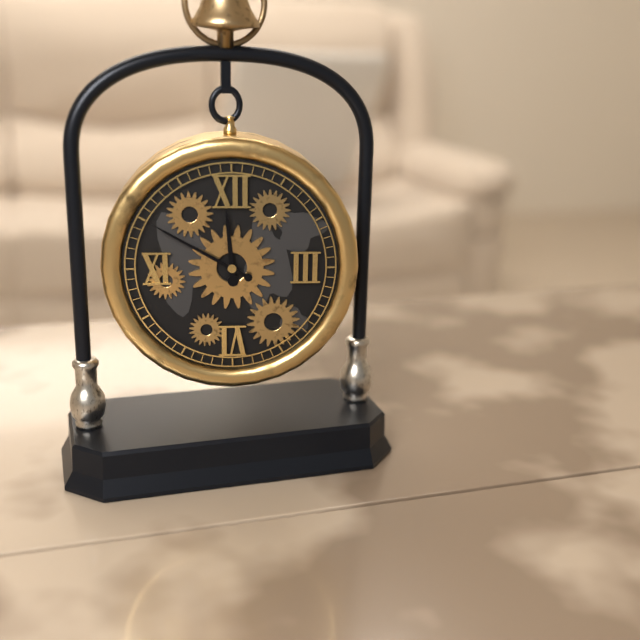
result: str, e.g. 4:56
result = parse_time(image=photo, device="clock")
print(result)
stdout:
11:50
